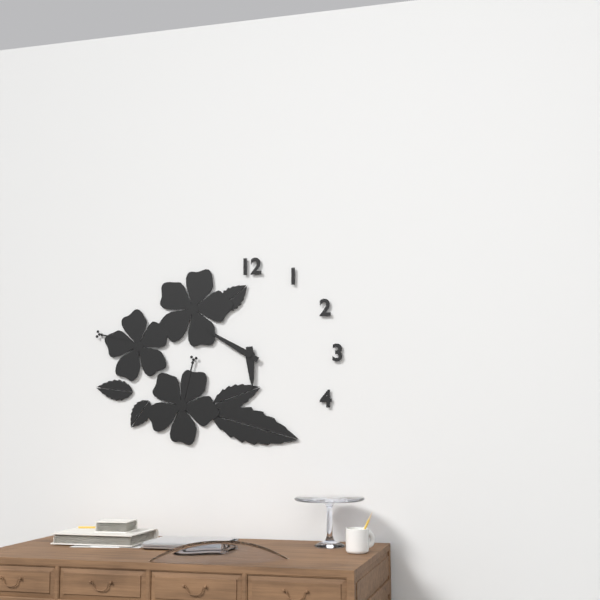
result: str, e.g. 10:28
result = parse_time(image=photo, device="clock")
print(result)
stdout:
5:50
